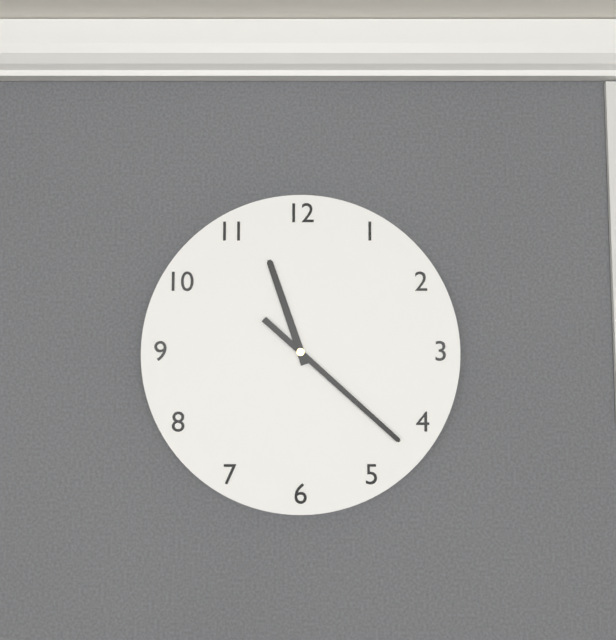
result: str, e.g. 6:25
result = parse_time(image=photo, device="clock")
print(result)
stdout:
11:22
